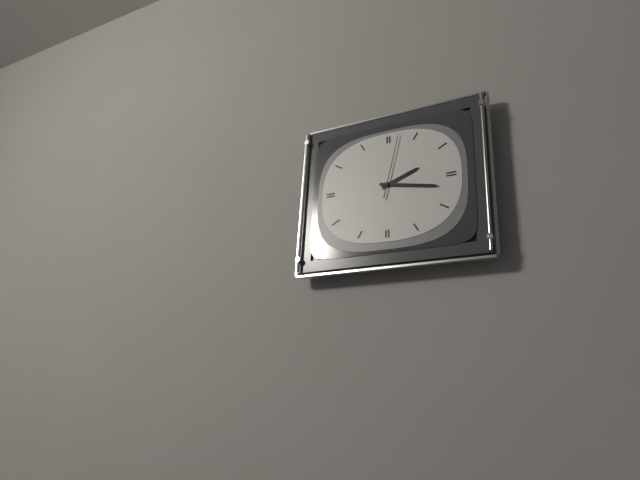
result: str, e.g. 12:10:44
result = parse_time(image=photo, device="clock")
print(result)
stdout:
2:17:02
